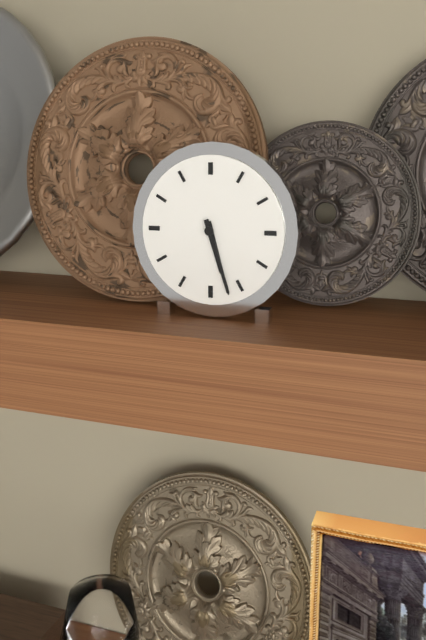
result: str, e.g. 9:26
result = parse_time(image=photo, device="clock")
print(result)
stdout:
5:27
